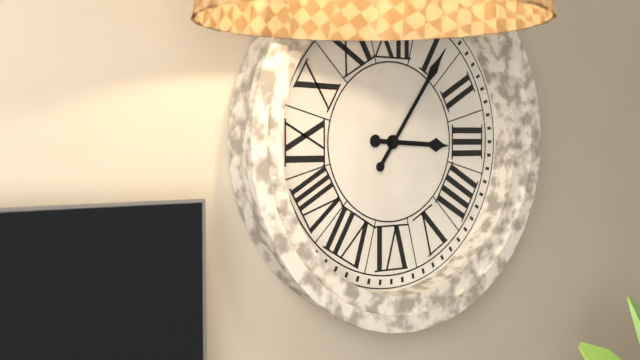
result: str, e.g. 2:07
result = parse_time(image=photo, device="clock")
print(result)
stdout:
3:06
